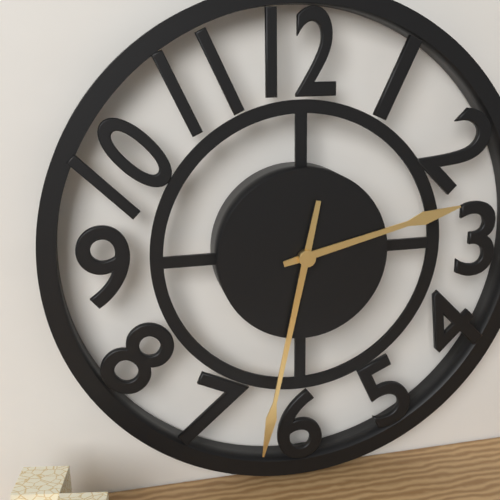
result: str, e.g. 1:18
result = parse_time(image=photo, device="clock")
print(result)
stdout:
2:32
